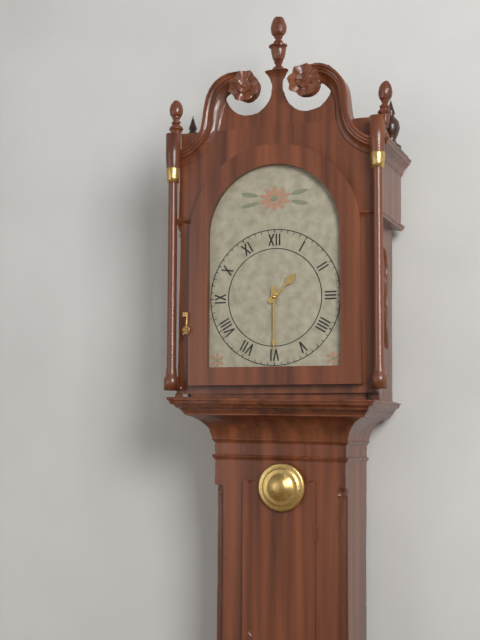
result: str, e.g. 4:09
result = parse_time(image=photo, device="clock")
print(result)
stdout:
1:30
